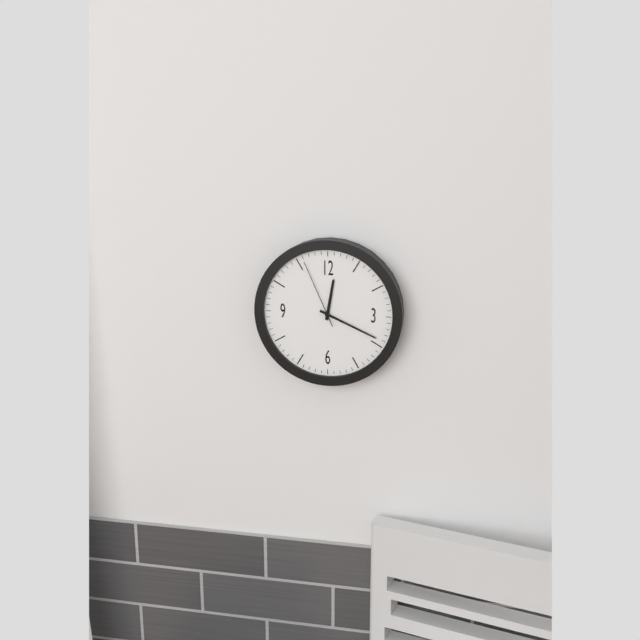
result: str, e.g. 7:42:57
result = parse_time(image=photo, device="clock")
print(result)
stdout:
12:19:56
